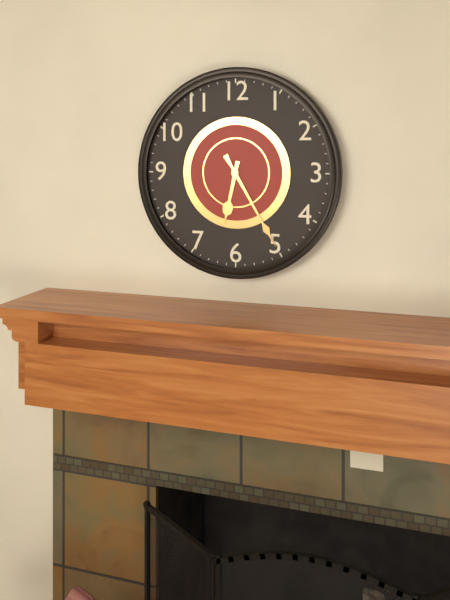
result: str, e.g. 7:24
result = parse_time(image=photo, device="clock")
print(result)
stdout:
6:25
